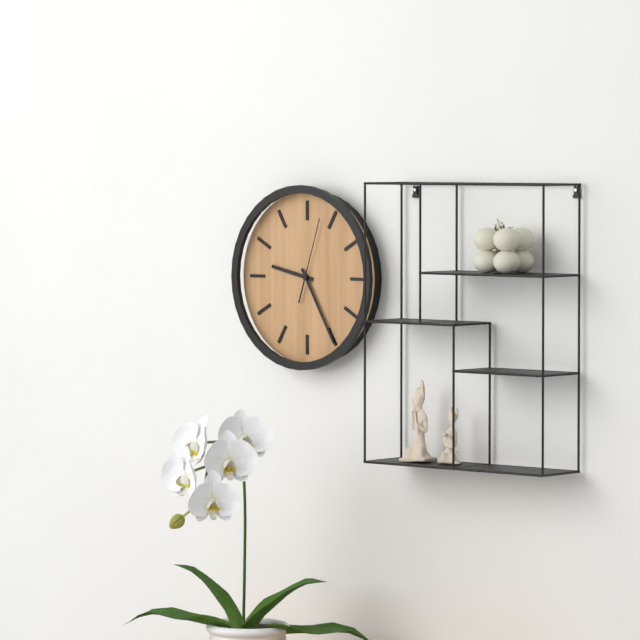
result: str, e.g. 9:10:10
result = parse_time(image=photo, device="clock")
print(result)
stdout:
9:25:03
